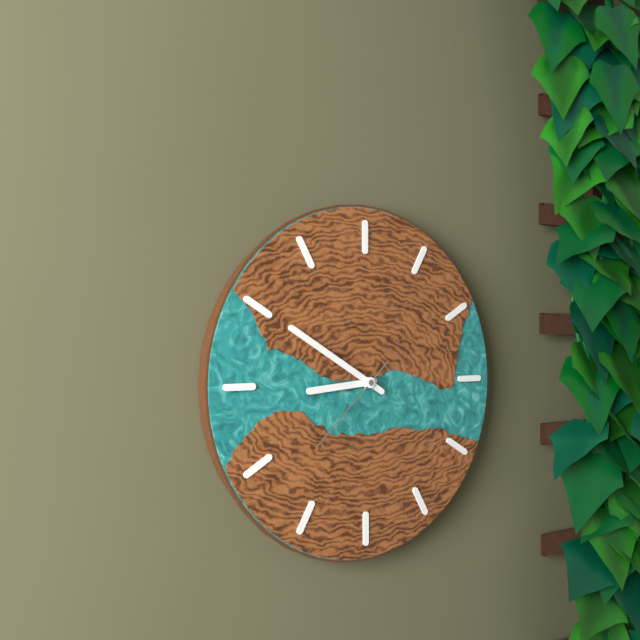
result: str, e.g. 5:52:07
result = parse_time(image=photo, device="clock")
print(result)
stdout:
8:50:38
